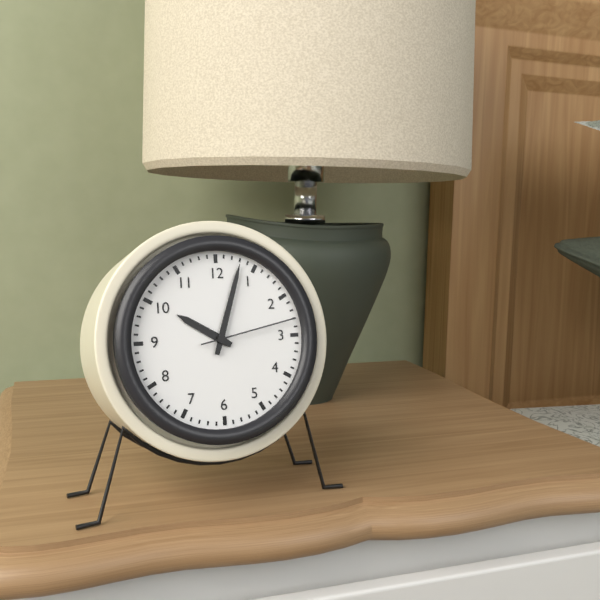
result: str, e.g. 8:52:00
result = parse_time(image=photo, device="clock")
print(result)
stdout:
10:03:13
